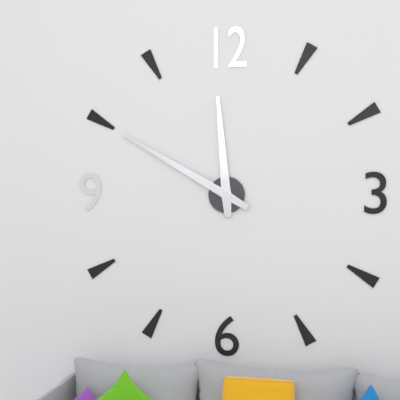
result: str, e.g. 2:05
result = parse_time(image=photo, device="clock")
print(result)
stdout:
11:50
